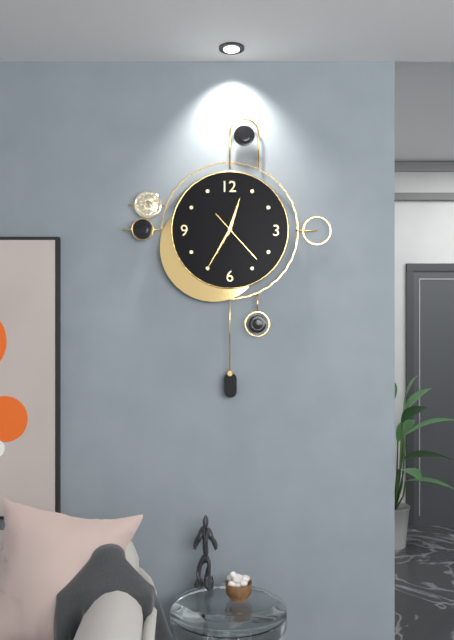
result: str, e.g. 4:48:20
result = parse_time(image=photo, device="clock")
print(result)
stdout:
12:35:23
